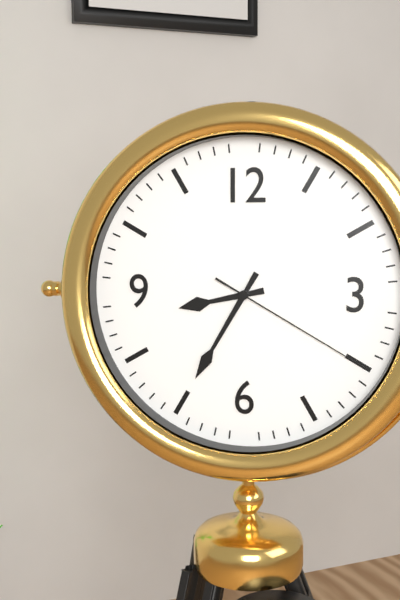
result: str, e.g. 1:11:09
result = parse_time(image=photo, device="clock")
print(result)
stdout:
8:35:20
